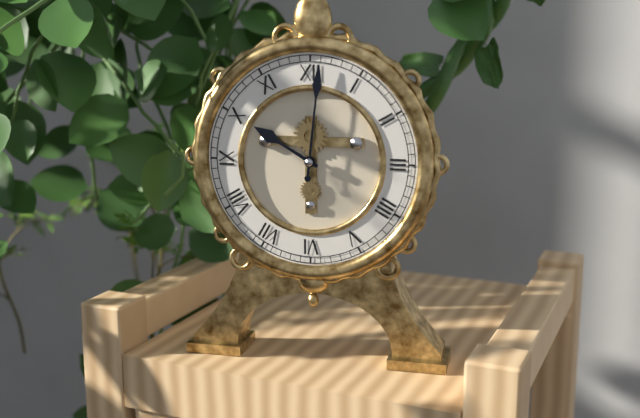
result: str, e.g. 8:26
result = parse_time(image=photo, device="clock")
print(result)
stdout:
10:01
